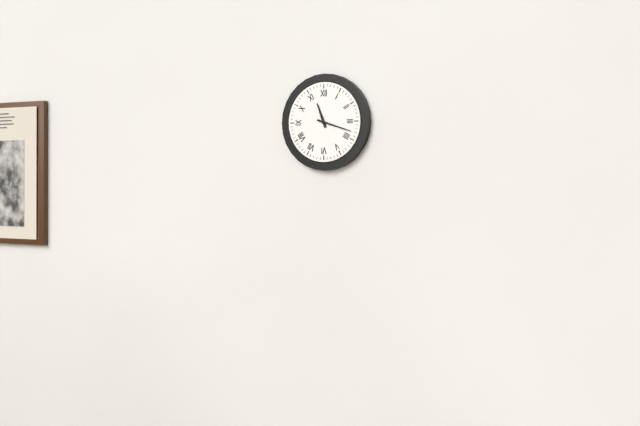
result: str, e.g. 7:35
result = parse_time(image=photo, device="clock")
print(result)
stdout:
11:18
